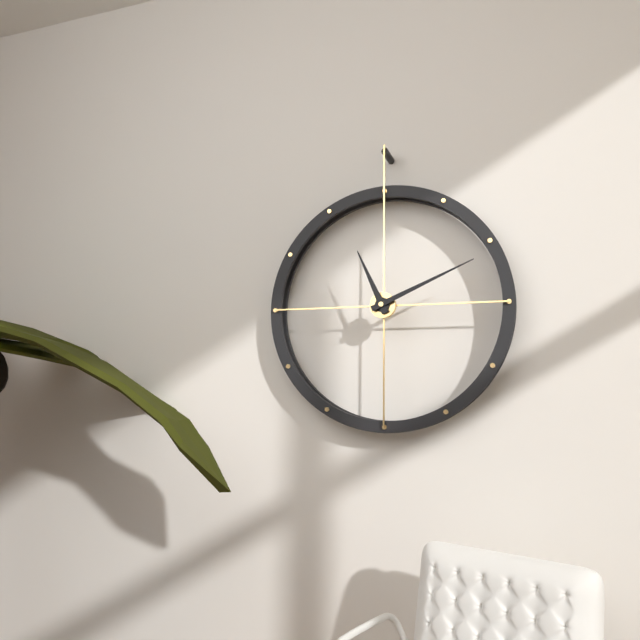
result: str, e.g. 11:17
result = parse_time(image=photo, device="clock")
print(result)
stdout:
11:11
